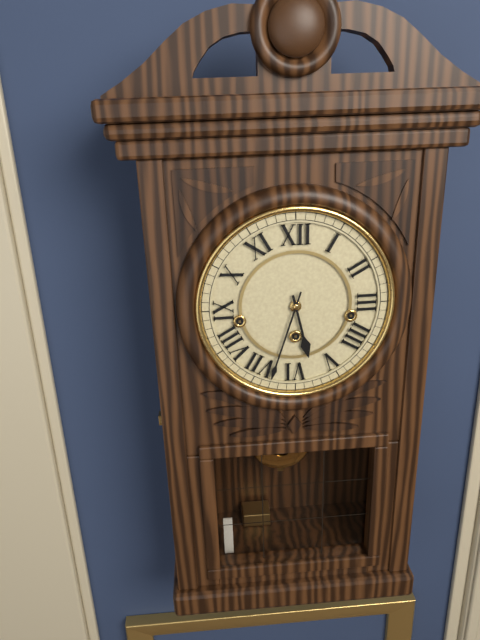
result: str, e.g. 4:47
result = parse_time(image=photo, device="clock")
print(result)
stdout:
5:33
